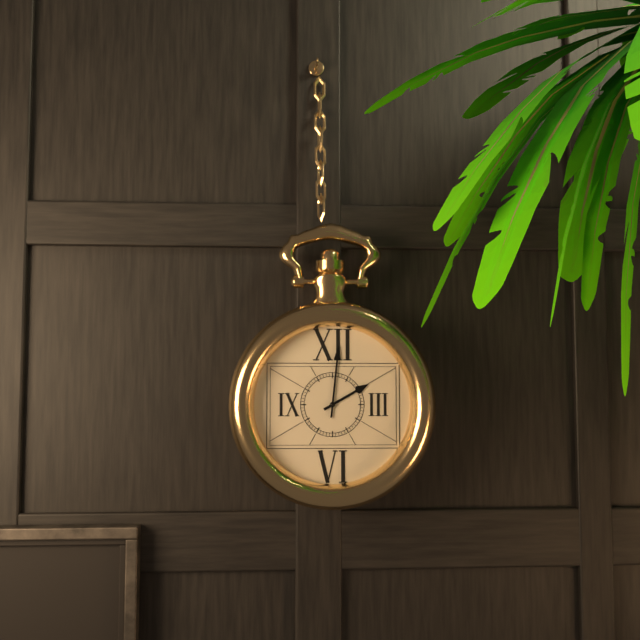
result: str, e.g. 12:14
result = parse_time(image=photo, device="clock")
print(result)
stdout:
2:01
